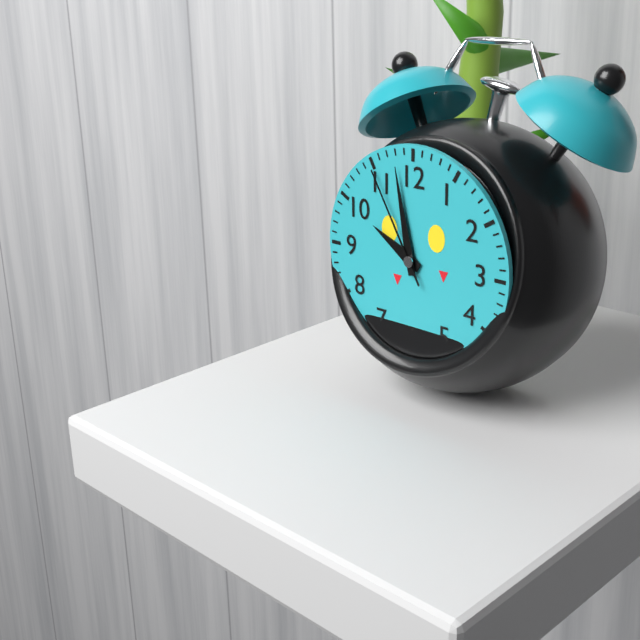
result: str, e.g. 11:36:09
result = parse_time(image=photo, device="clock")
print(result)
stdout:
9:58:55
